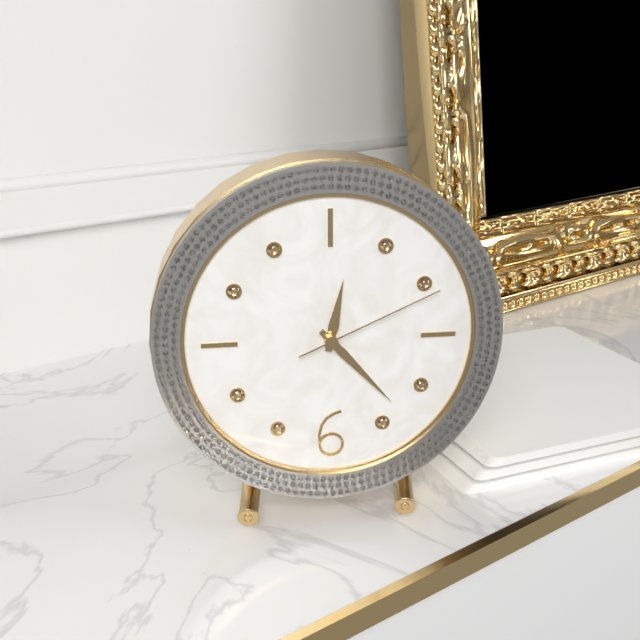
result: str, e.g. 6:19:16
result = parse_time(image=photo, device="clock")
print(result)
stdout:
12:23:11
